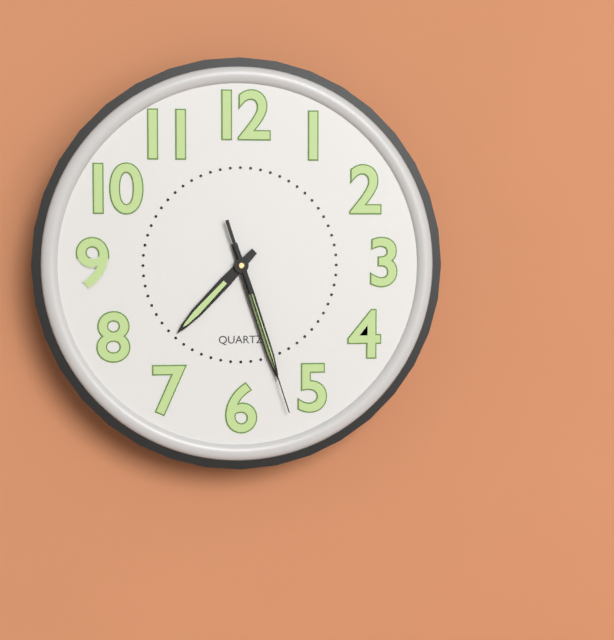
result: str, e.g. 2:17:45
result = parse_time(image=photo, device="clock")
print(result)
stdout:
7:27:27
